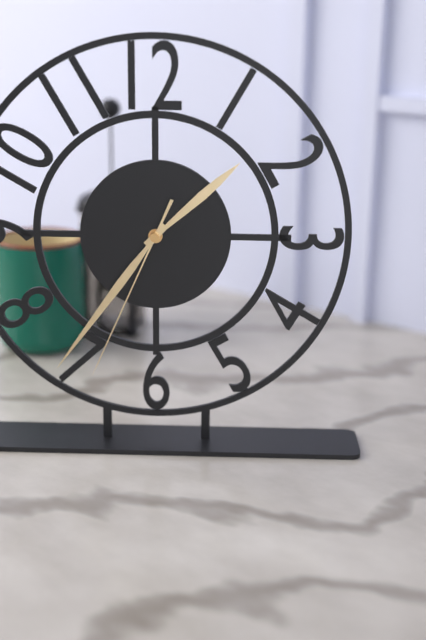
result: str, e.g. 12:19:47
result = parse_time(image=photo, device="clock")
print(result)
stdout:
1:36:34
